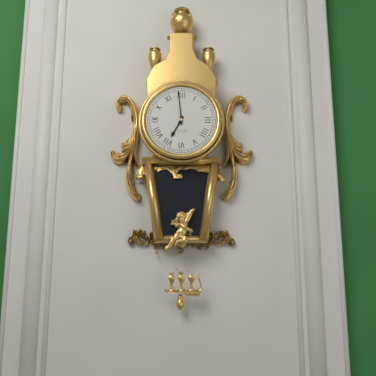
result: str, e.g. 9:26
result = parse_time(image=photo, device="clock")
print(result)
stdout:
6:59
